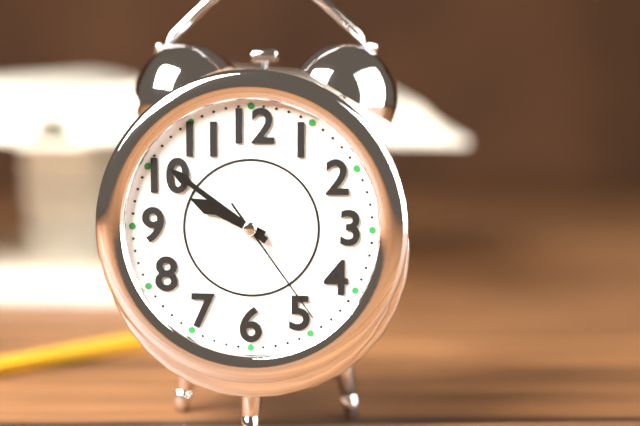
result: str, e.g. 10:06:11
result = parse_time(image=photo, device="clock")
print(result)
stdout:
9:51:24
